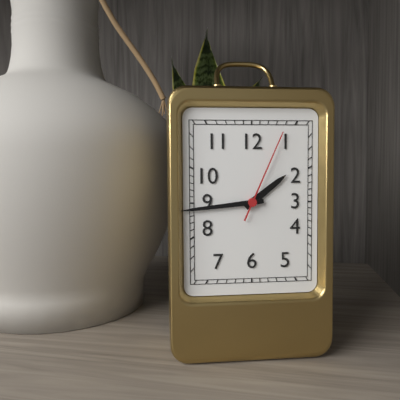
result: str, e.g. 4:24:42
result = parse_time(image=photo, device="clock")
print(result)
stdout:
1:44:04
